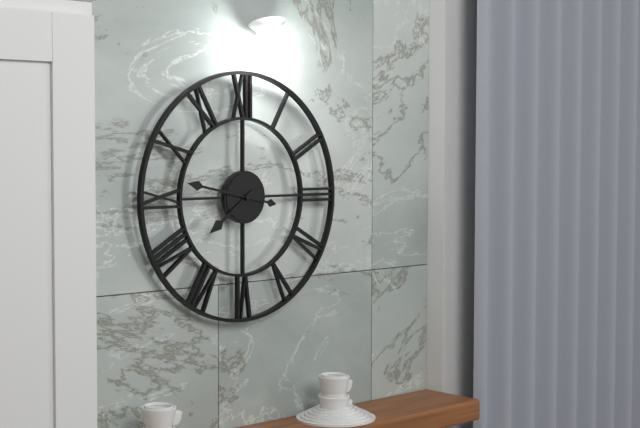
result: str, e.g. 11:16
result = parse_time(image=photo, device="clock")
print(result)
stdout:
7:47
